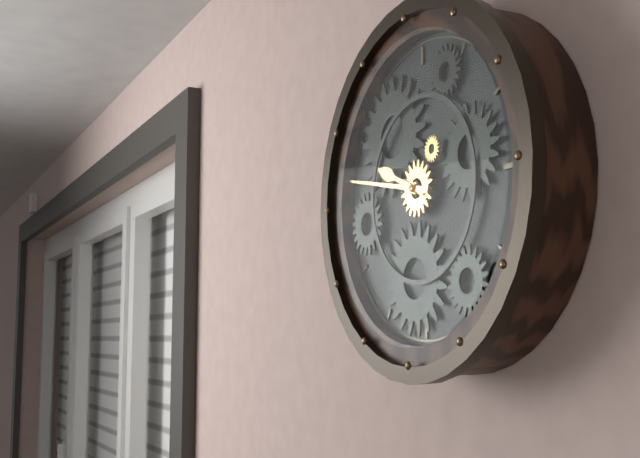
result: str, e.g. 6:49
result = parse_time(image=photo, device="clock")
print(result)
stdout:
9:47
